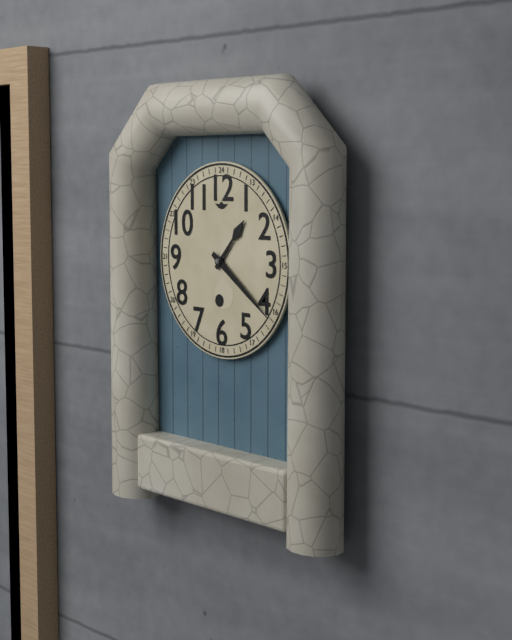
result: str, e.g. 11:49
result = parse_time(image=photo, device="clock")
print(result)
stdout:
1:21
